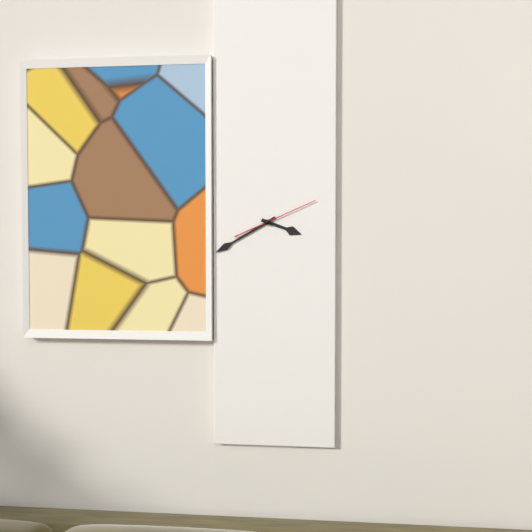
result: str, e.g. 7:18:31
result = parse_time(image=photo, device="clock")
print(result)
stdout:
3:40:11
